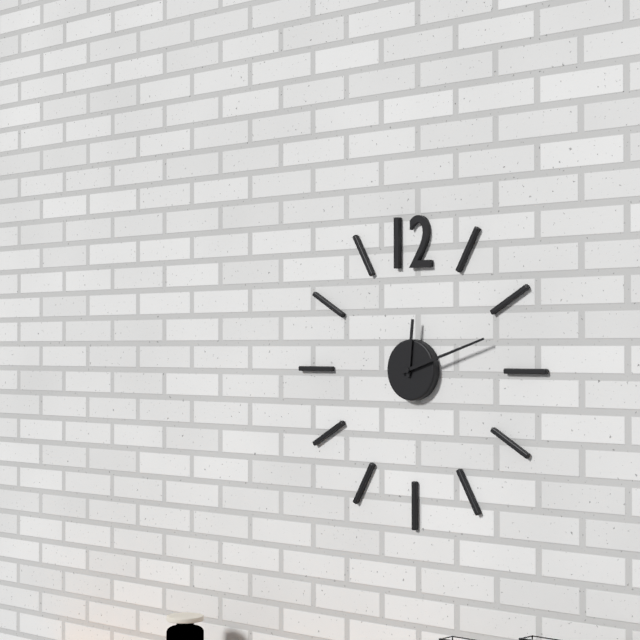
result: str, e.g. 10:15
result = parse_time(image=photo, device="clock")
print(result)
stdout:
12:12
